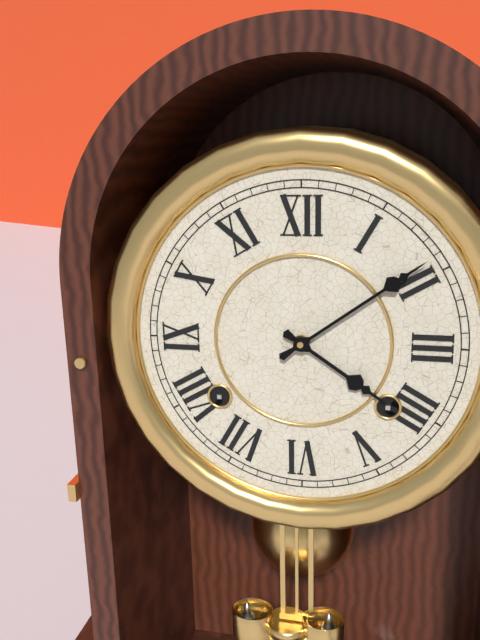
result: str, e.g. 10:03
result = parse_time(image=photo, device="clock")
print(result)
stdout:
4:09
